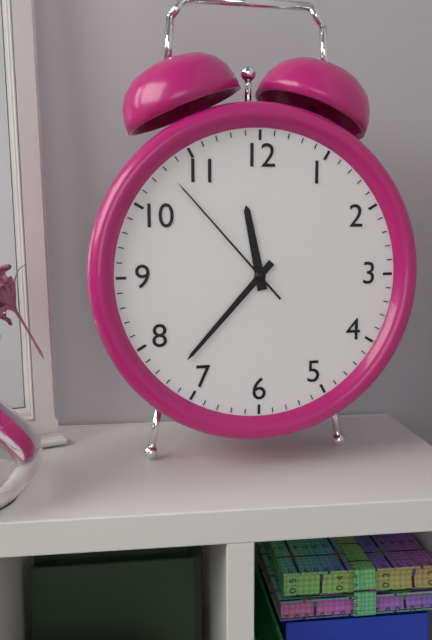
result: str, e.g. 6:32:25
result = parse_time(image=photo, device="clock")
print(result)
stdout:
11:37:53
